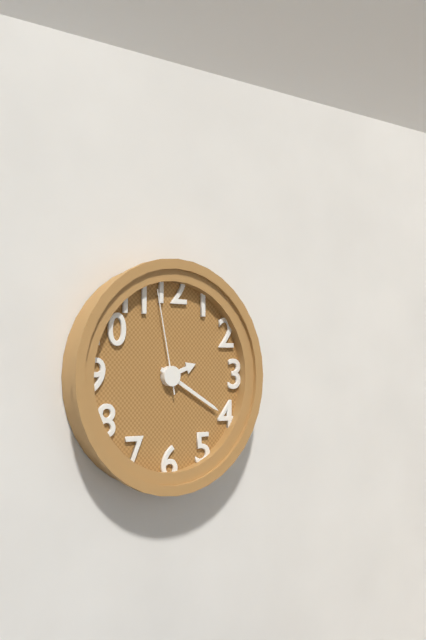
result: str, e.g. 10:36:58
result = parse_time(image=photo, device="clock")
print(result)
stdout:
2:20:58
